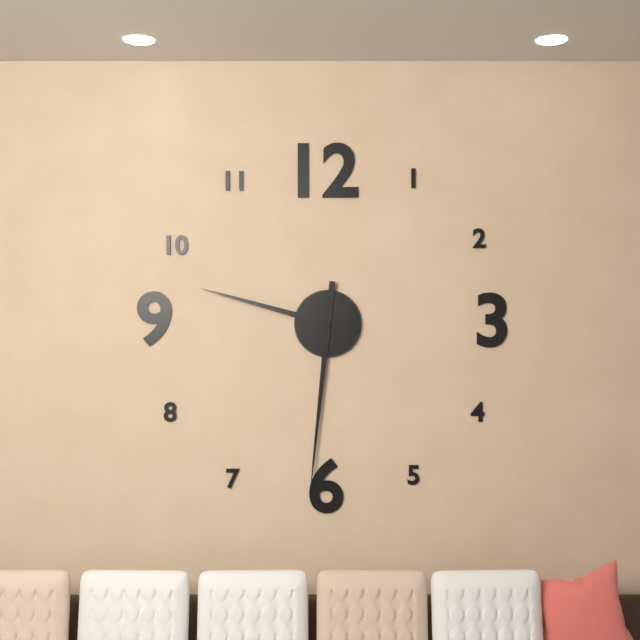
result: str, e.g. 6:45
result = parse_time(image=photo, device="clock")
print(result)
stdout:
9:31
